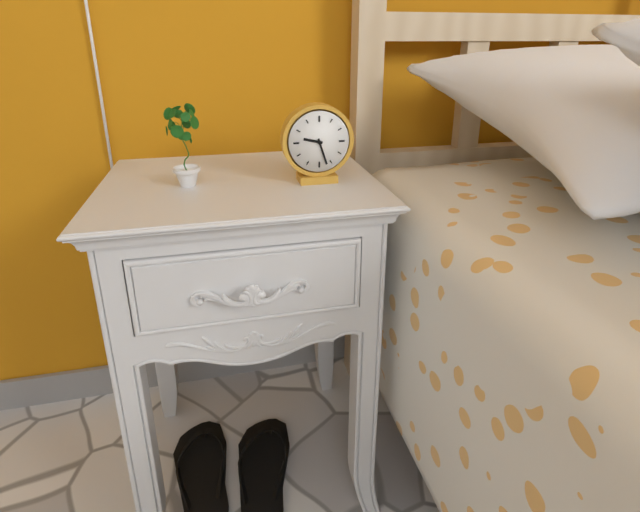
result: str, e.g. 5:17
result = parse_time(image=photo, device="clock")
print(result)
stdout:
9:27
